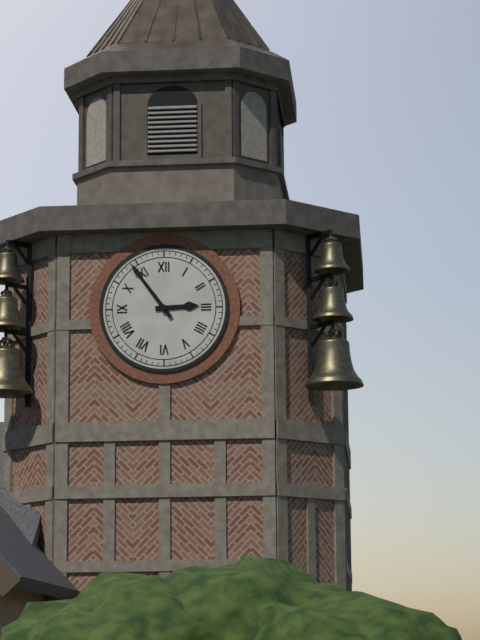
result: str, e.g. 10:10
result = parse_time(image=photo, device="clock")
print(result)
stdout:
2:54
